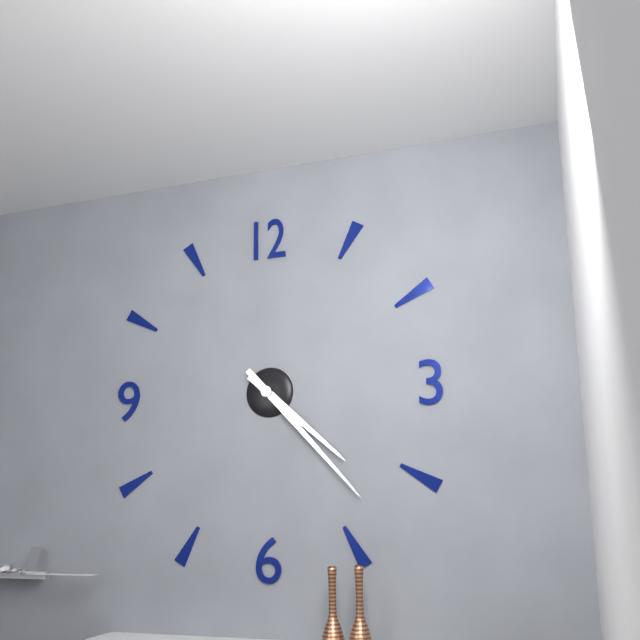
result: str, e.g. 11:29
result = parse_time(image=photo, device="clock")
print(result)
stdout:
4:23
